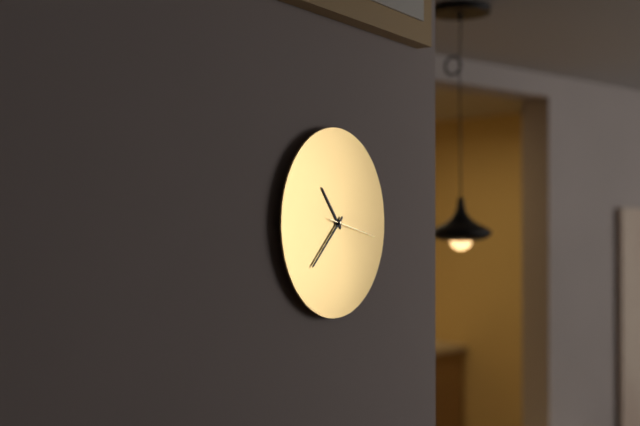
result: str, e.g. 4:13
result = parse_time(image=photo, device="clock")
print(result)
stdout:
10:38
